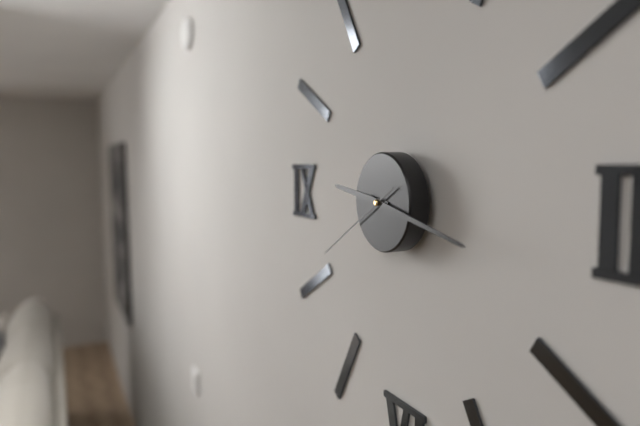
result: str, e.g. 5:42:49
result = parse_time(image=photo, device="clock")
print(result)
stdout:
9:17:40
